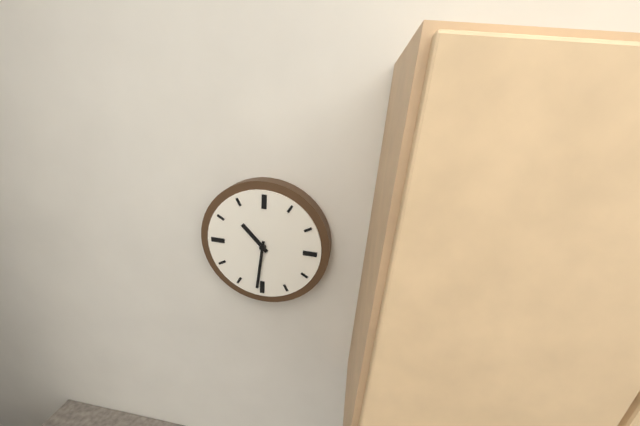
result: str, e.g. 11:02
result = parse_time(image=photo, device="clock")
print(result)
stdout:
10:31
